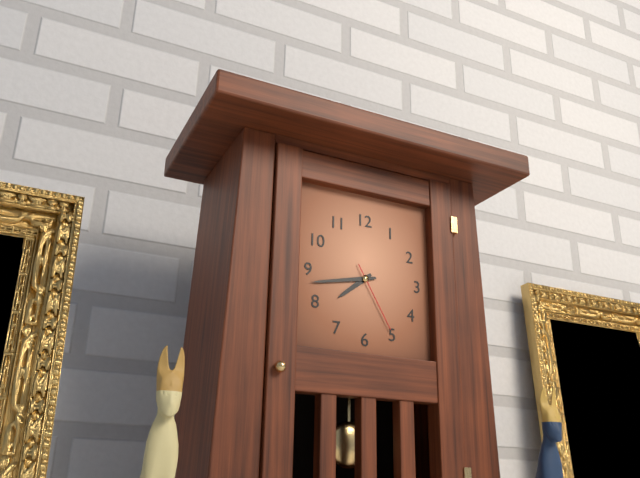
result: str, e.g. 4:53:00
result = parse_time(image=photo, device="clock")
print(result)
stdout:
7:43:25
